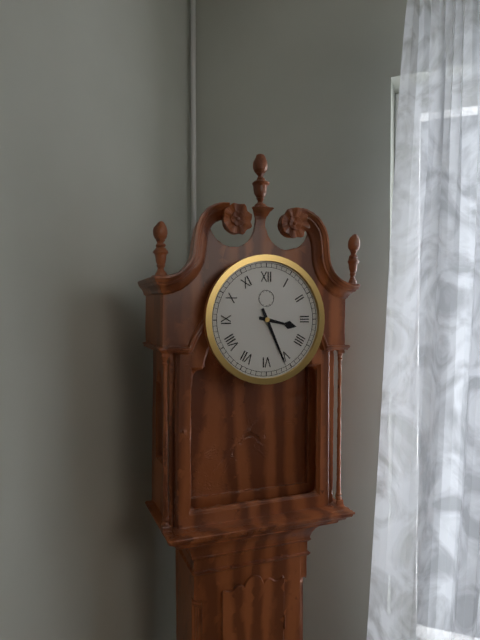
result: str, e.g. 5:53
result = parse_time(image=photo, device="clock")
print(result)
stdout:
3:26
